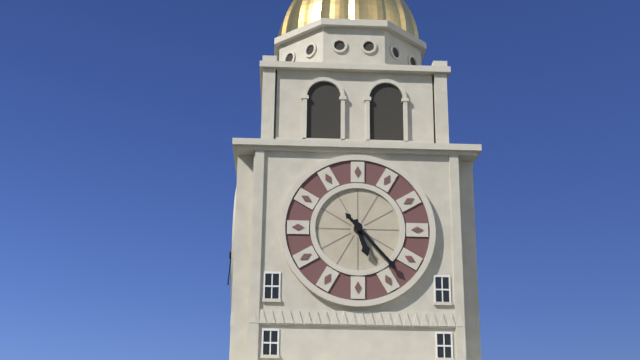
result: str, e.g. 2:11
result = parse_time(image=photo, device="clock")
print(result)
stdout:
5:23
